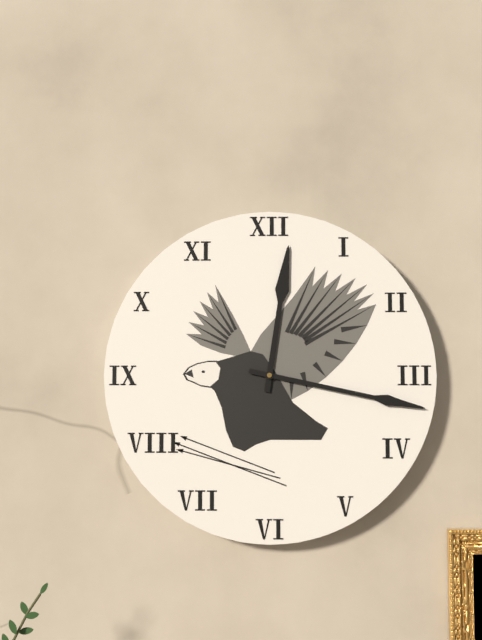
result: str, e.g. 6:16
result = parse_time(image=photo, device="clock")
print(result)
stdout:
12:17
